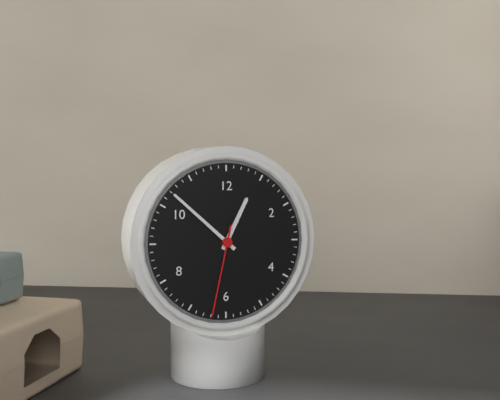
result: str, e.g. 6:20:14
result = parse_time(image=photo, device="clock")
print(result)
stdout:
12:52:32
